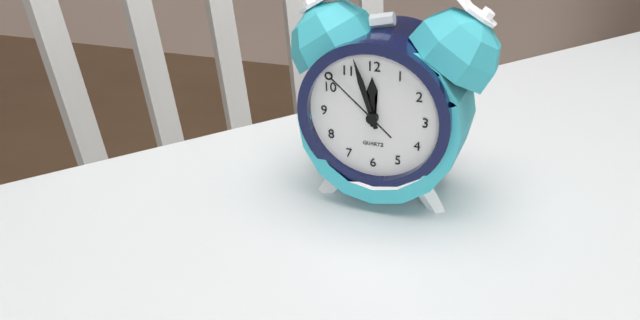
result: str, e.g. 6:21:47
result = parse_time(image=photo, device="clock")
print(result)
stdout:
11:57:52
